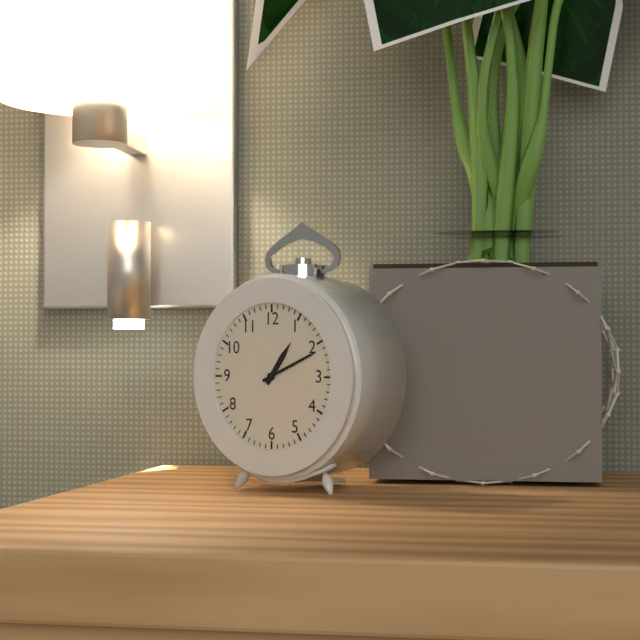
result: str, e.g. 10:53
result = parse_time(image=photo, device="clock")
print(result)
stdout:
1:11
